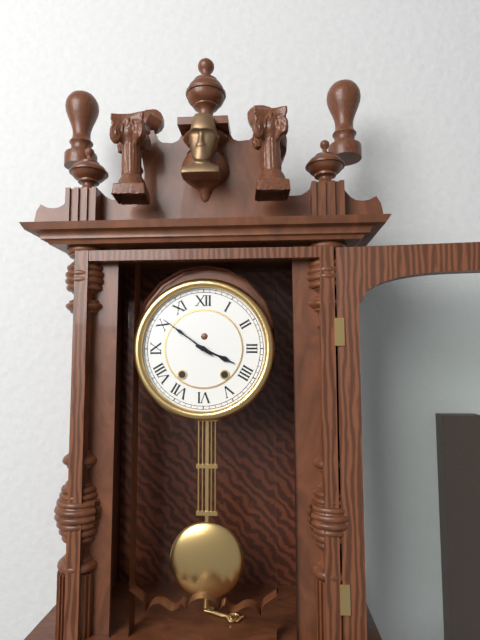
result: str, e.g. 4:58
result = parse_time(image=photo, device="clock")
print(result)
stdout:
3:51
